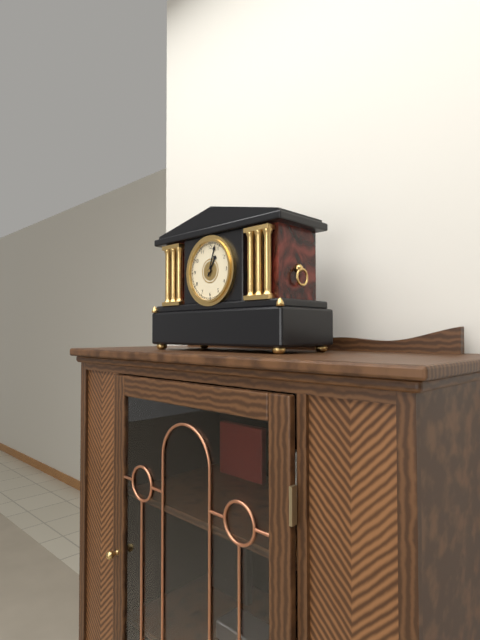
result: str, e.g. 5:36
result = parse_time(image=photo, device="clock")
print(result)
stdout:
1:03
